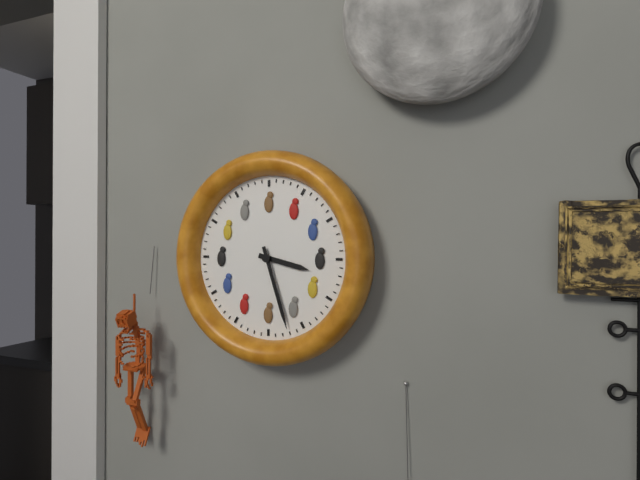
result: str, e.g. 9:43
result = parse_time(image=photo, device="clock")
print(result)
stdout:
3:27
